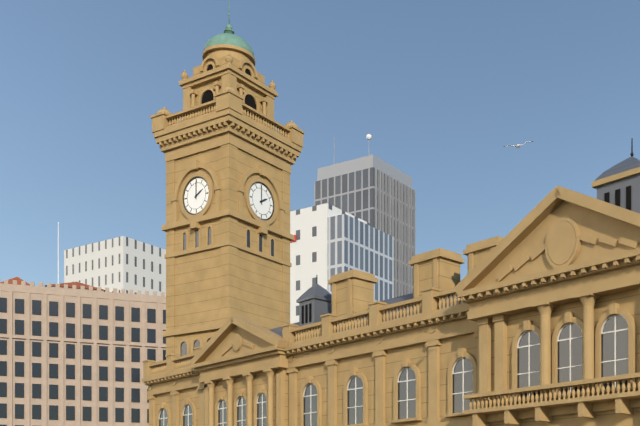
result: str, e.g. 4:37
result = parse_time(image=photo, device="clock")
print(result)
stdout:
2:00
